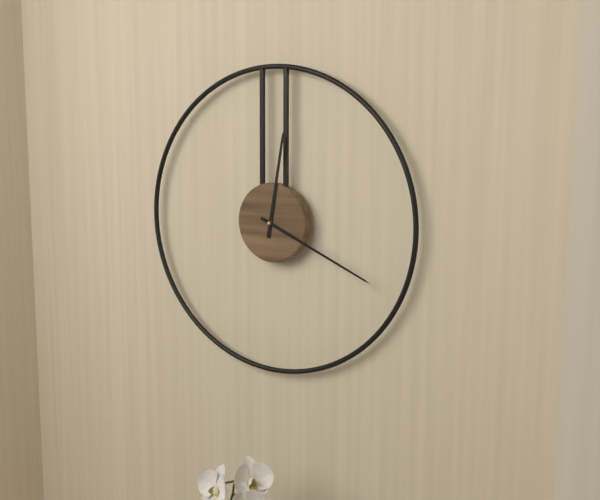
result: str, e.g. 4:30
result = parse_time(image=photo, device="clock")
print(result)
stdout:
12:19
